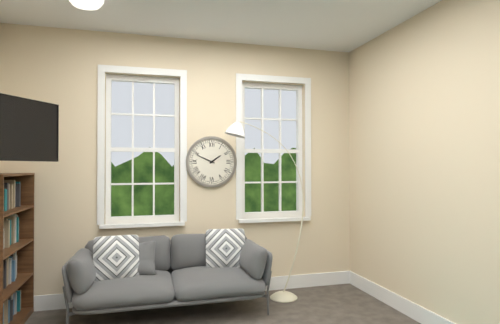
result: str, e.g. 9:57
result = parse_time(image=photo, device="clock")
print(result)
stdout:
1:49
